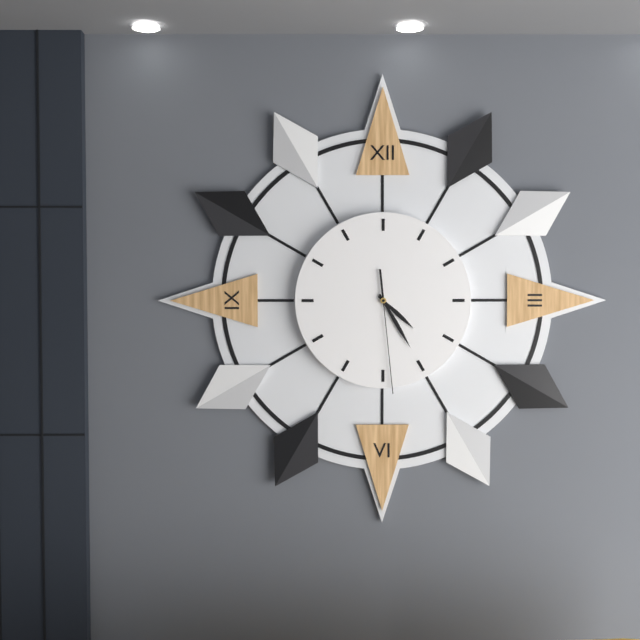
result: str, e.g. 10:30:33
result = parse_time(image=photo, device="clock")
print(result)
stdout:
4:25:29
